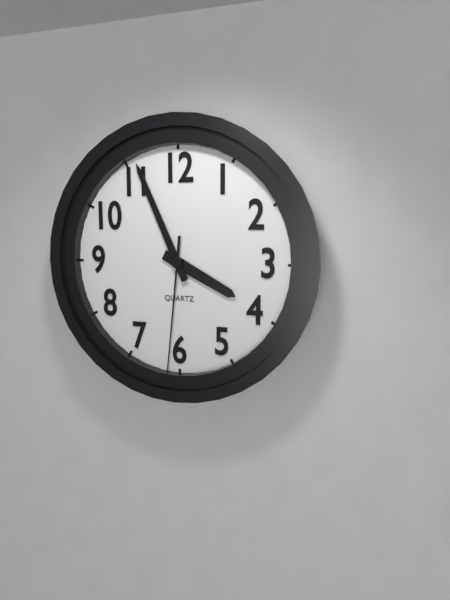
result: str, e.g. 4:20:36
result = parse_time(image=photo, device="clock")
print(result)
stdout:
3:56:31
